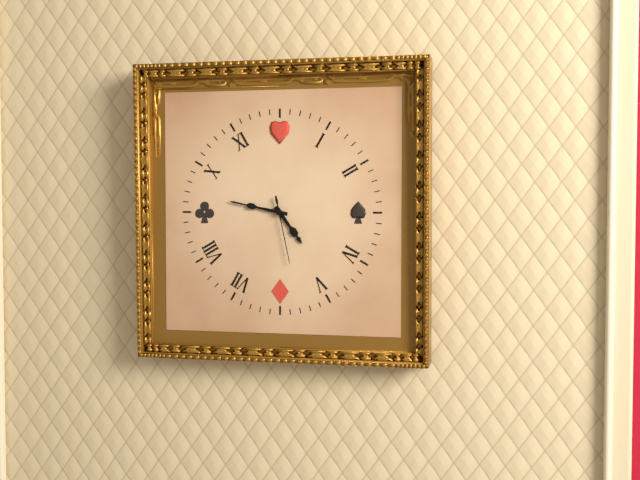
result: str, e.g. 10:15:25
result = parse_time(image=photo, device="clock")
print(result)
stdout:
4:47:28
